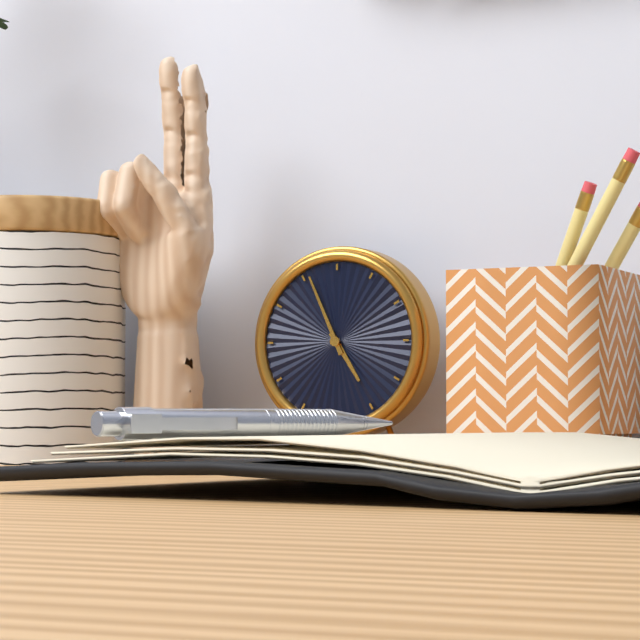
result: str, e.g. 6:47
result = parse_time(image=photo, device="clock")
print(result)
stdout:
4:56
